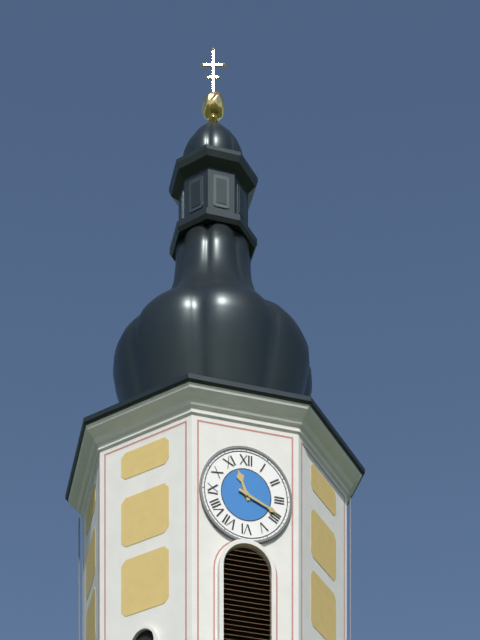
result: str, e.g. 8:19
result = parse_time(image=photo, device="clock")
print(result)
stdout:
11:19
